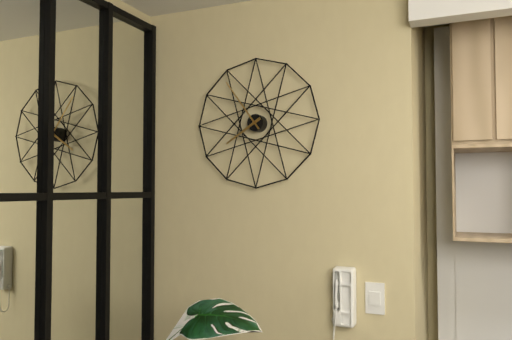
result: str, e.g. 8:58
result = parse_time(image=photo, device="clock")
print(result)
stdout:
7:54
